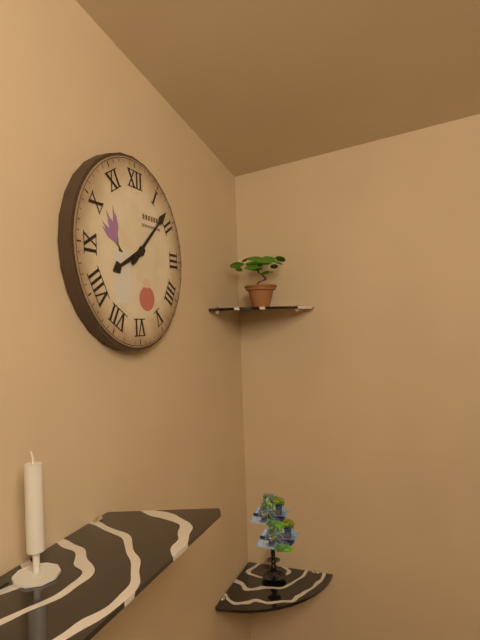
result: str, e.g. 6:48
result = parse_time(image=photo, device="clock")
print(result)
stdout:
8:08
